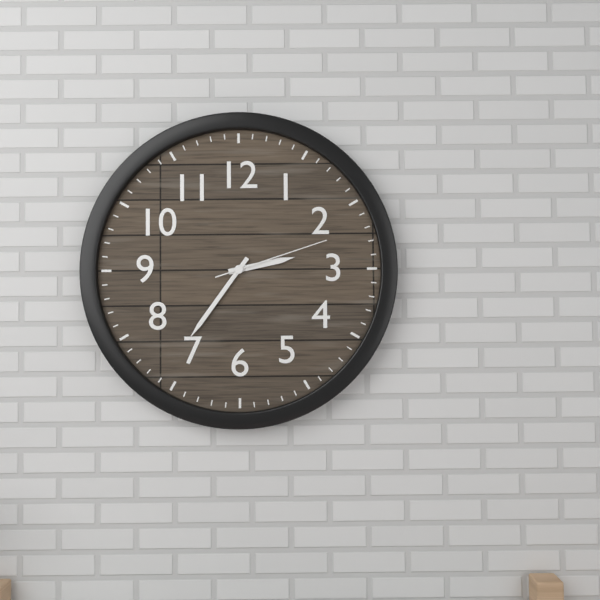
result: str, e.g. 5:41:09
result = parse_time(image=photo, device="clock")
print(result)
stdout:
2:36:12
